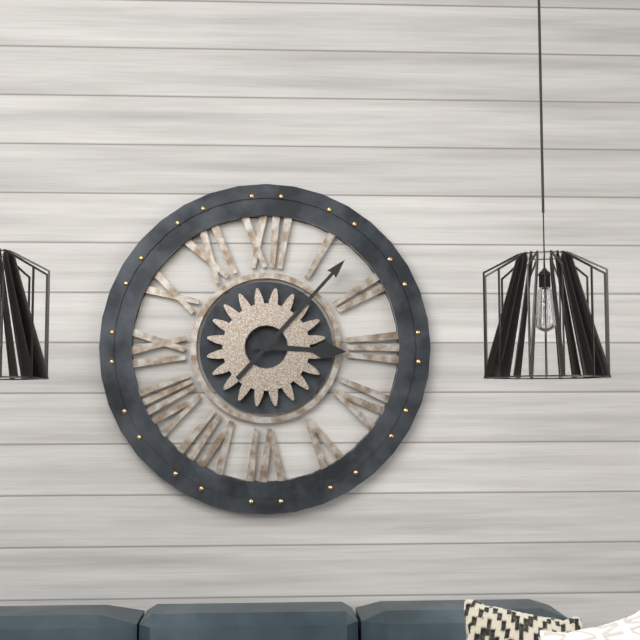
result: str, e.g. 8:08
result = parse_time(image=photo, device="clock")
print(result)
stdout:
3:07
